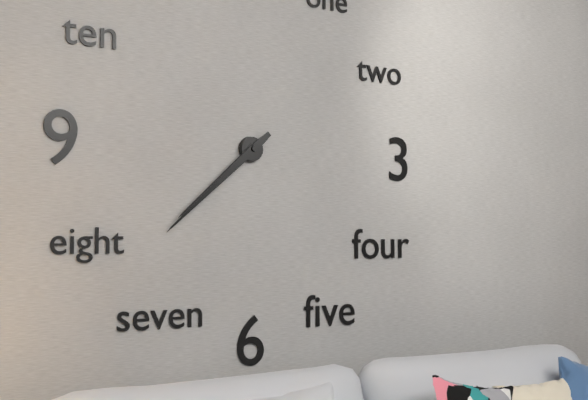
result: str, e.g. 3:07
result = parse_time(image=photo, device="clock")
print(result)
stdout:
7:38
